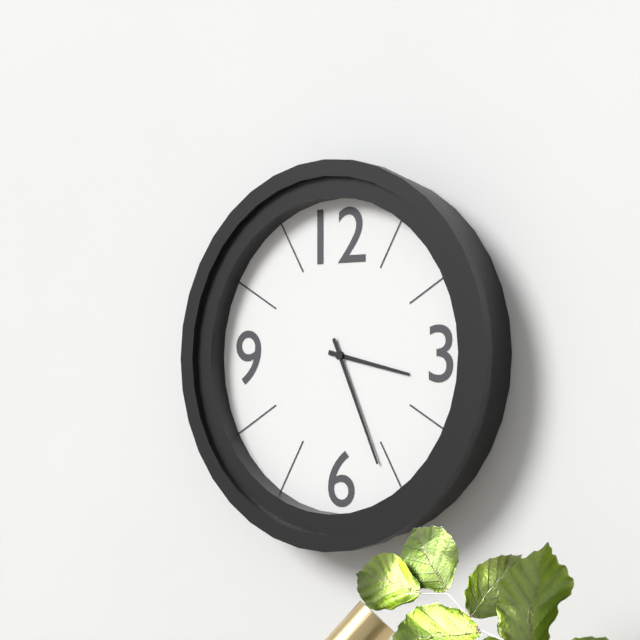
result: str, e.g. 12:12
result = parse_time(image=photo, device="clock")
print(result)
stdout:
3:26
